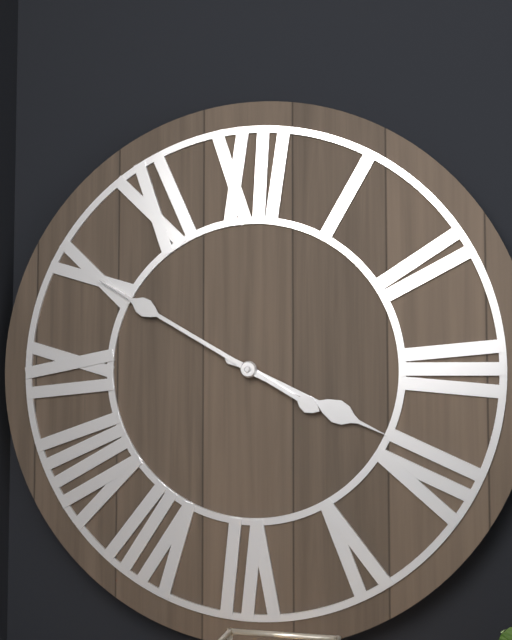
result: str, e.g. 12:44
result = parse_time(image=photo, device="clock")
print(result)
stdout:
3:50
